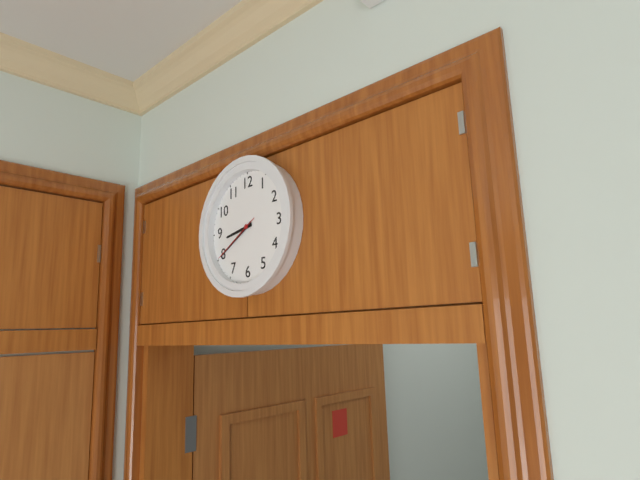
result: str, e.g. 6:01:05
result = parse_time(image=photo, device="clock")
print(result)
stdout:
8:40:40
